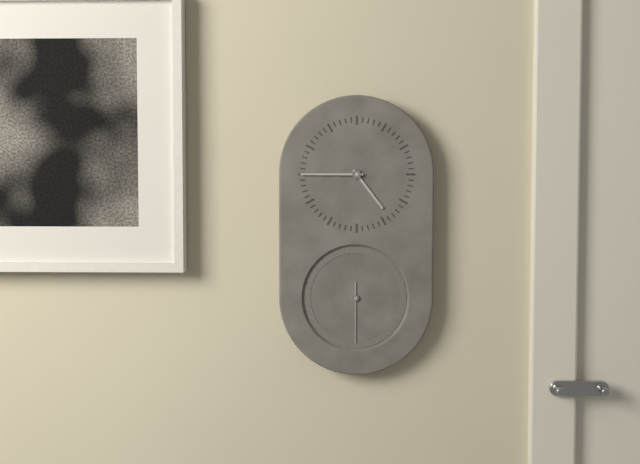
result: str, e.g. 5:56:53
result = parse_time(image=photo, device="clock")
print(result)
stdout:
4:45:30
